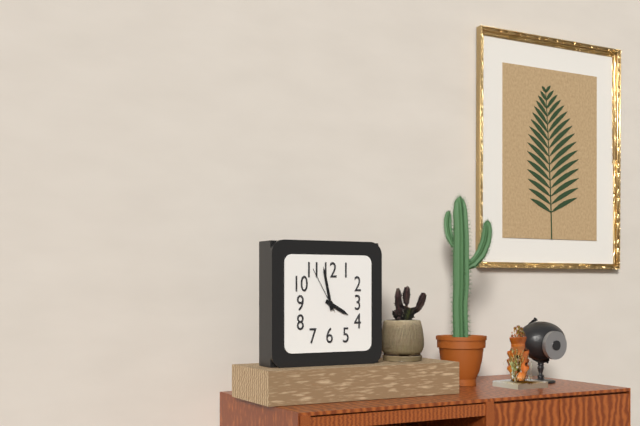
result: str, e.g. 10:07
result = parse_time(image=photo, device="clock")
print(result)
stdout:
3:58
